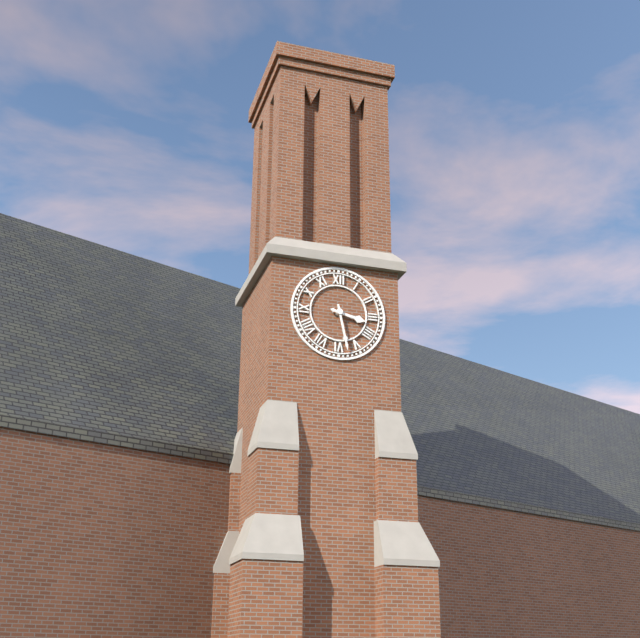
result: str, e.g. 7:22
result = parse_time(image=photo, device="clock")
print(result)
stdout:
3:28
